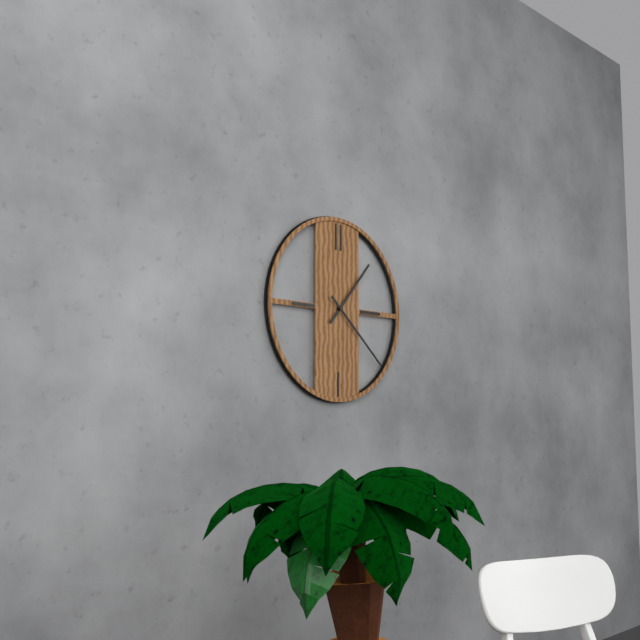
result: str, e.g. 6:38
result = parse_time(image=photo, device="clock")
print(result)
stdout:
1:22
